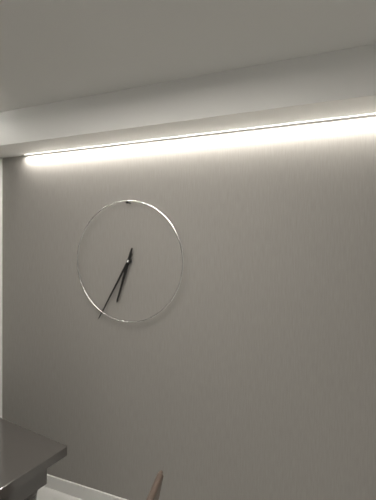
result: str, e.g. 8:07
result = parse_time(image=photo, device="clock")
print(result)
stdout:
6:35
